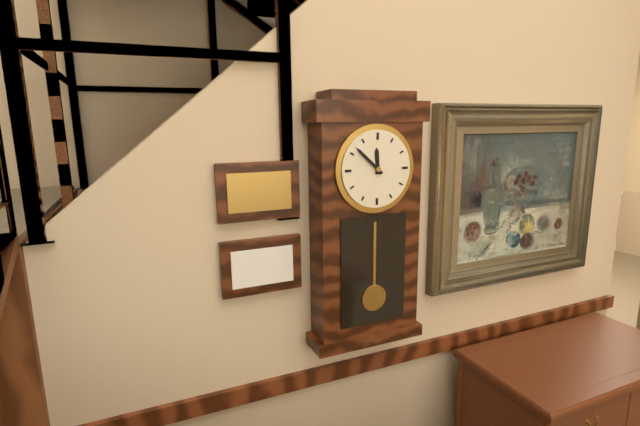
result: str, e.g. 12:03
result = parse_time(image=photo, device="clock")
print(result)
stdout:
11:52
